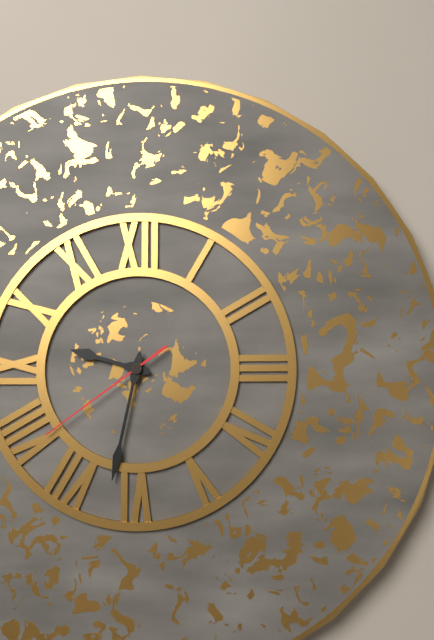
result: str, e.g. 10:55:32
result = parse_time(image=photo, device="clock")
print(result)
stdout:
9:32:39
